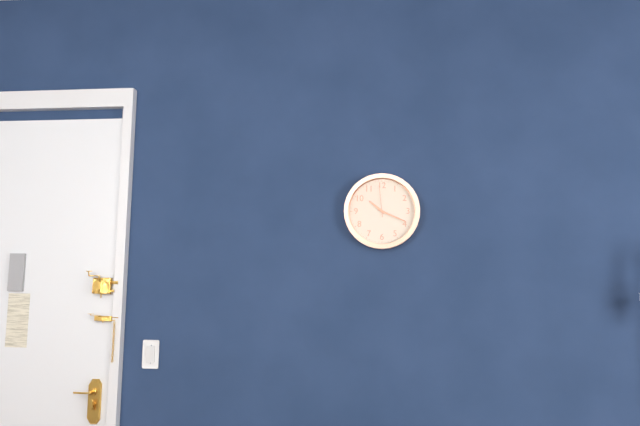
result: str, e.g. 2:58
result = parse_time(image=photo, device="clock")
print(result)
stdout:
10:19
